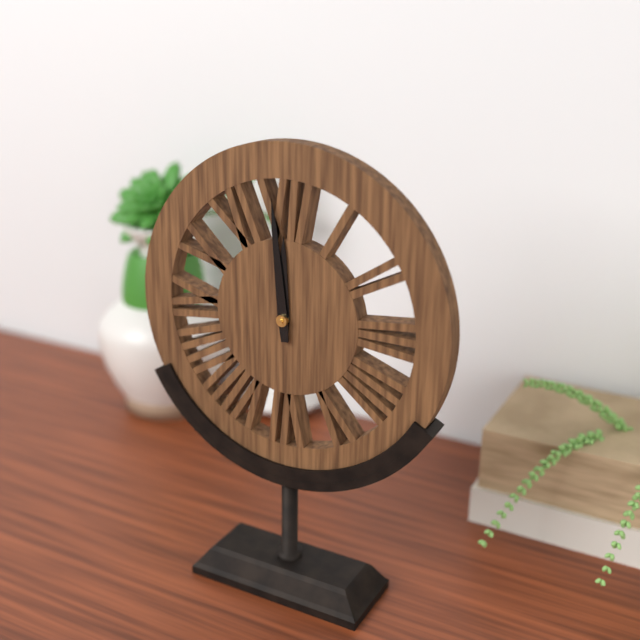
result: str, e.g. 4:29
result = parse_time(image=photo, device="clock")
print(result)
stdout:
11:59
